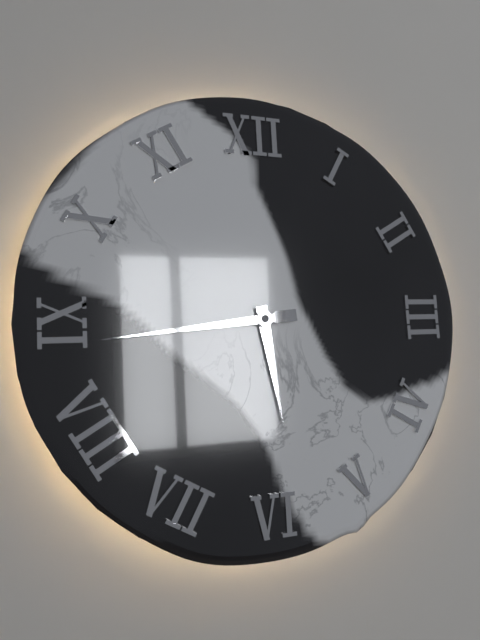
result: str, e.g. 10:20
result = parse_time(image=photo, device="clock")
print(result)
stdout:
5:44
